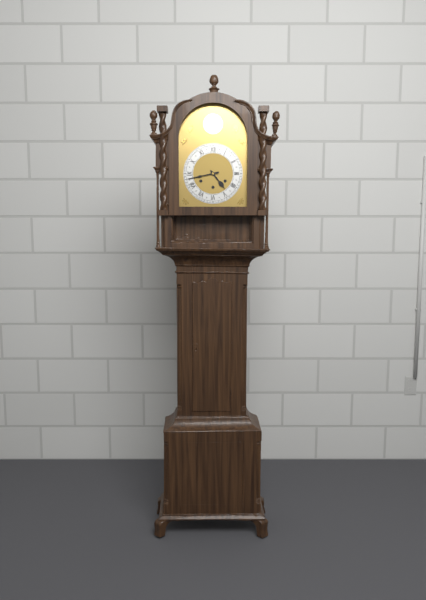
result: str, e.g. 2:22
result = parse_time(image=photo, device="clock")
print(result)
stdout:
4:43
